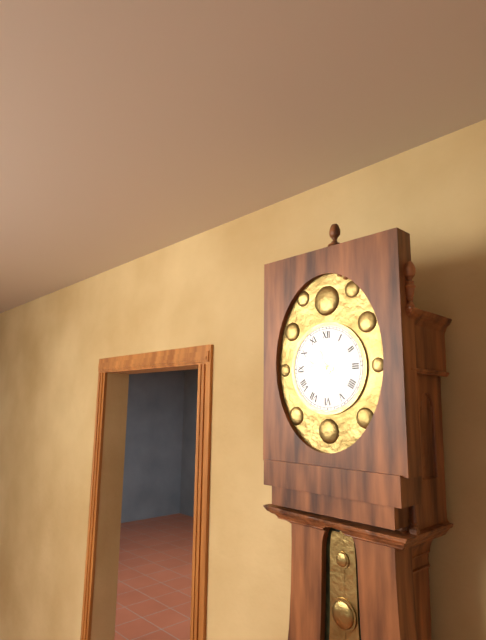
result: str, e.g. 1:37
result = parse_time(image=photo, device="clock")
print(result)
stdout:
10:47
